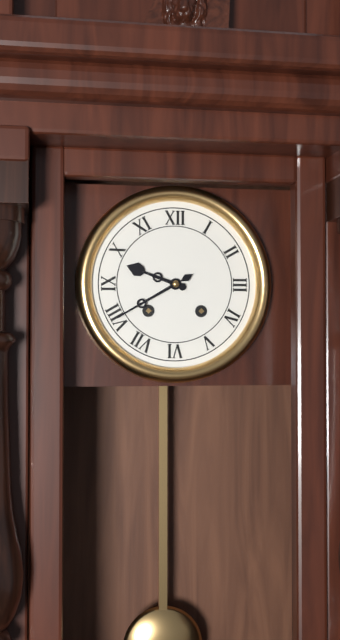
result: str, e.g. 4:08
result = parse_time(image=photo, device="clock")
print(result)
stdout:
9:40
